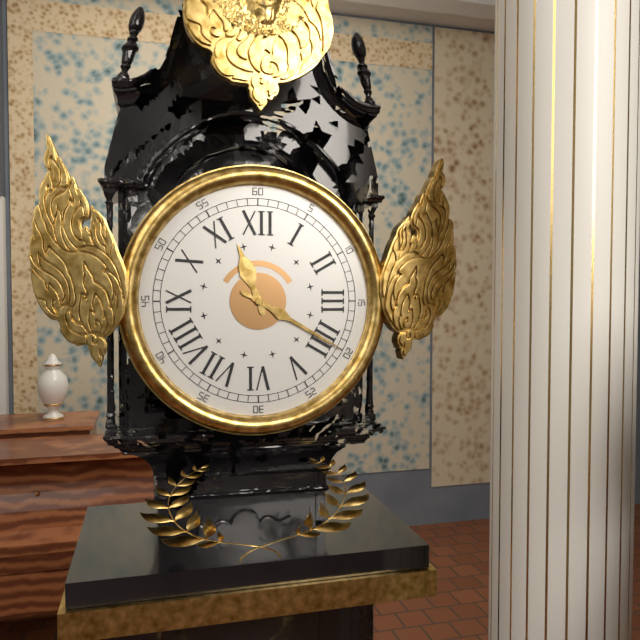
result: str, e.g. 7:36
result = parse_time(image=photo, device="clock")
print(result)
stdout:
11:20
